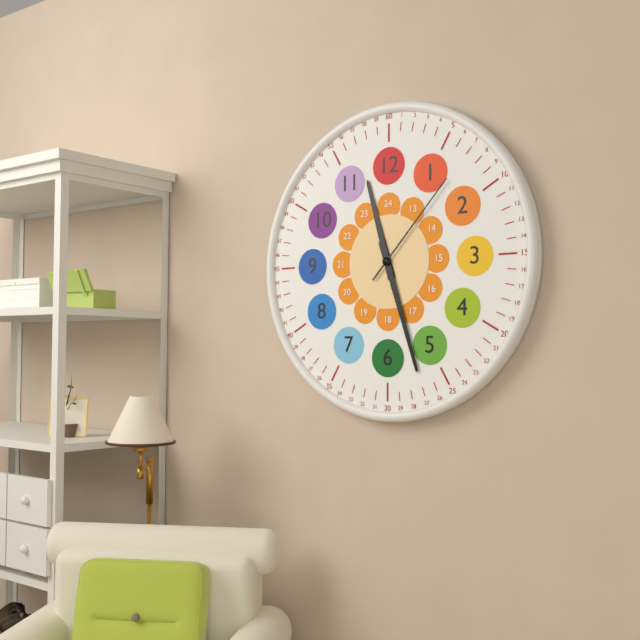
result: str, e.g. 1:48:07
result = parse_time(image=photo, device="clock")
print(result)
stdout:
11:27:07
